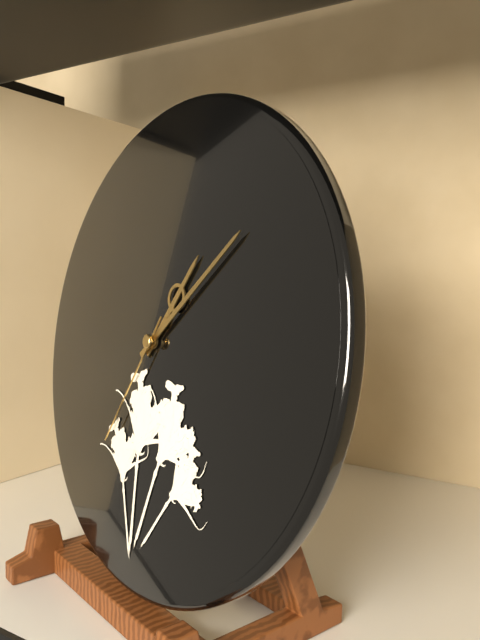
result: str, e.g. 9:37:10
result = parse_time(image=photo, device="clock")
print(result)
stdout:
1:08:35
